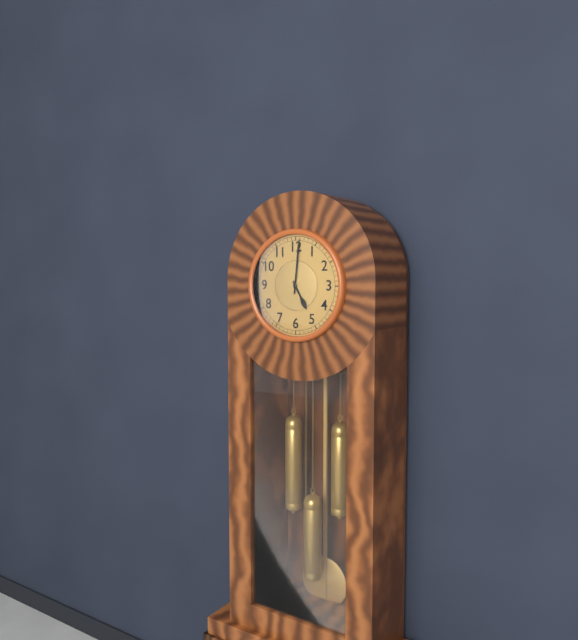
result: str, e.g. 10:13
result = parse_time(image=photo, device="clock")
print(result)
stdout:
5:01
